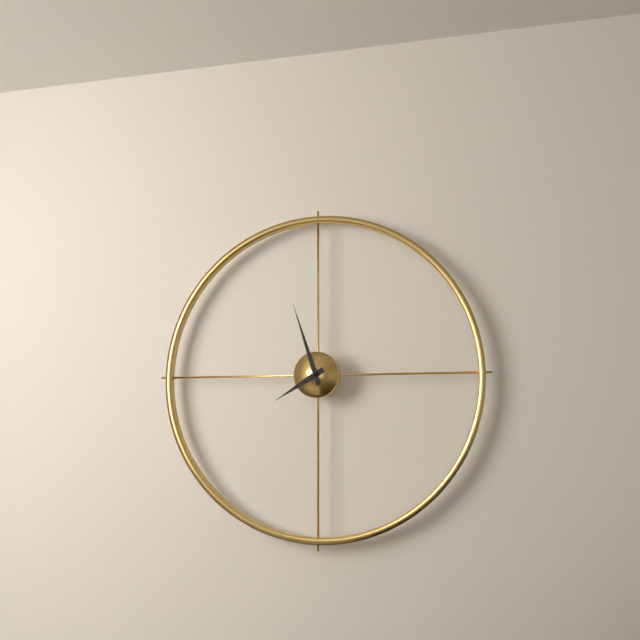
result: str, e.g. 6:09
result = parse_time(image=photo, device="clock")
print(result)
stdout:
7:57
